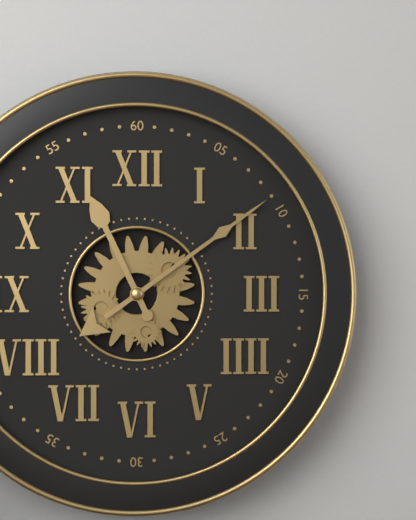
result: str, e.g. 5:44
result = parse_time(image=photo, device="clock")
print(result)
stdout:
11:09
